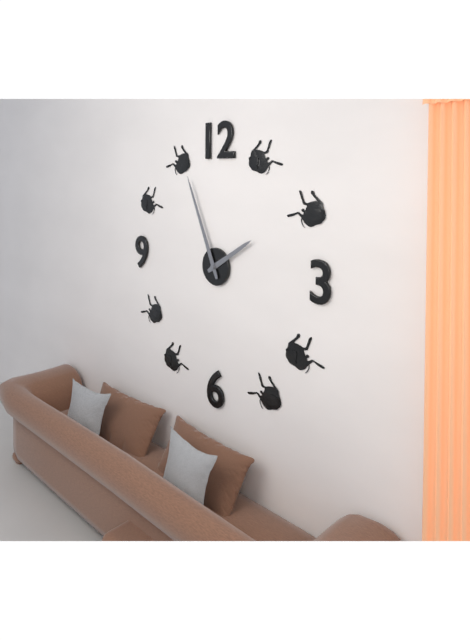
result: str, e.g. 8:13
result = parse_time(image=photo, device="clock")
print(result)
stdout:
1:56
